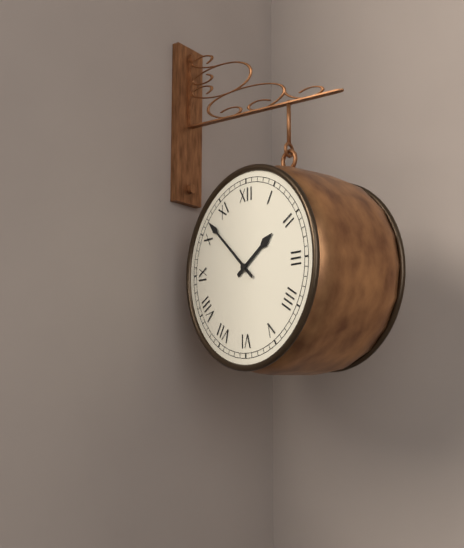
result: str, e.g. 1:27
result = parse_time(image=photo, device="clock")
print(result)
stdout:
1:52
